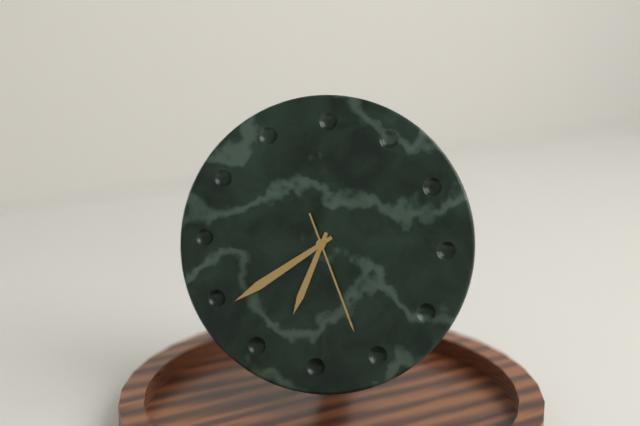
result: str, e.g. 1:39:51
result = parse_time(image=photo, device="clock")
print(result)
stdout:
6:39:26
